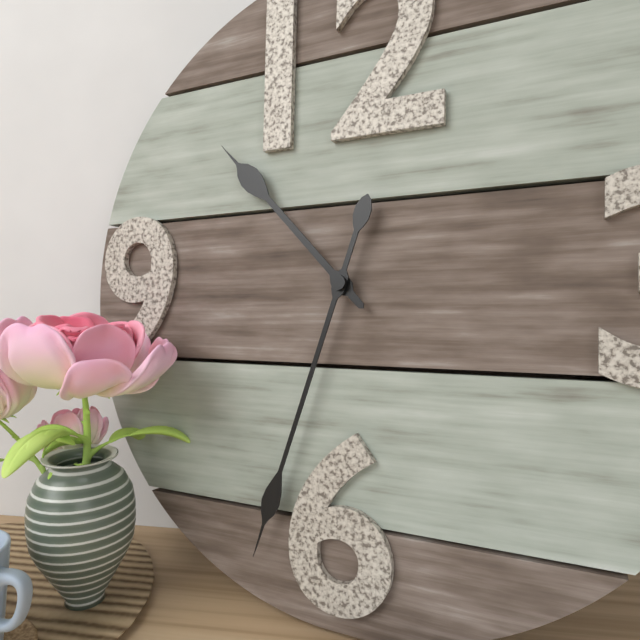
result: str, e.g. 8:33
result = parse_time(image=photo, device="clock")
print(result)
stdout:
10:33
